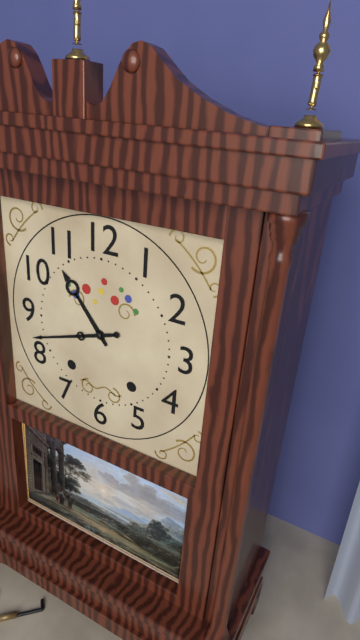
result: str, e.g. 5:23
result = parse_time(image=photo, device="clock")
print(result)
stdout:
10:42
